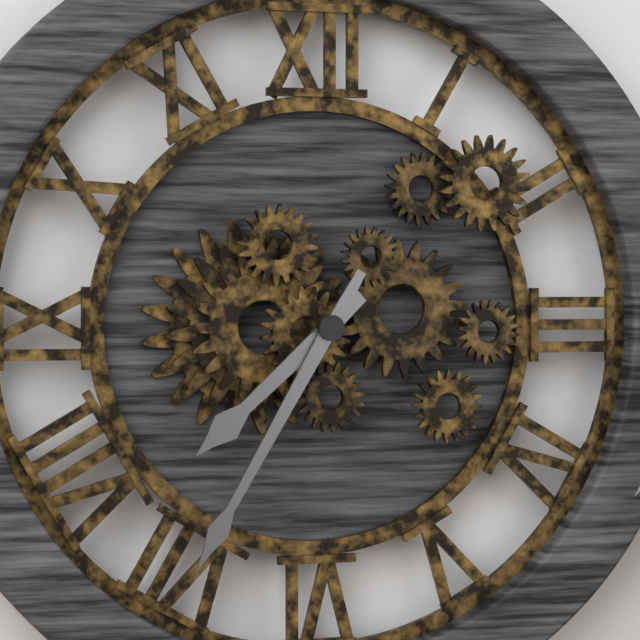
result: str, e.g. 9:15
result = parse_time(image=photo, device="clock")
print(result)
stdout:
7:35
